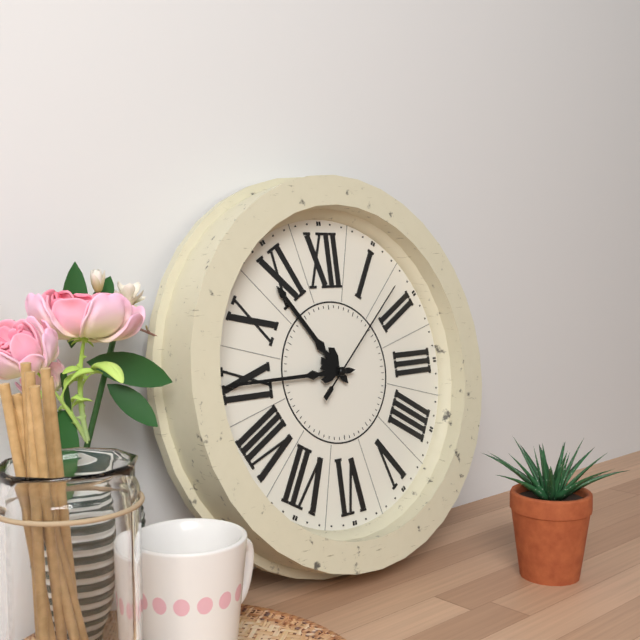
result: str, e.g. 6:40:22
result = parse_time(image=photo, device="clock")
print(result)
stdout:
10:45:08
